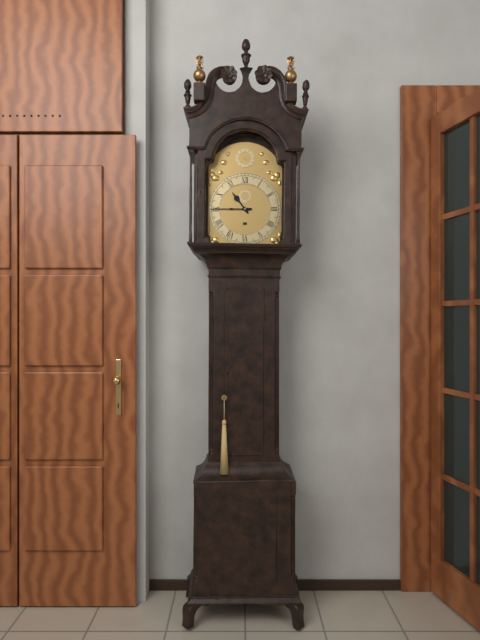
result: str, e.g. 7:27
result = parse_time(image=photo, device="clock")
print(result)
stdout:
10:45
